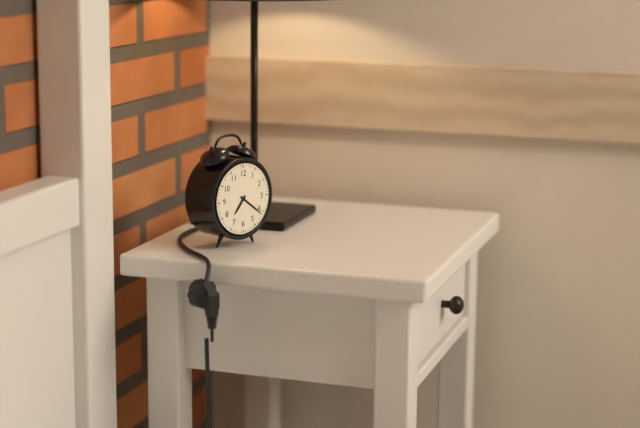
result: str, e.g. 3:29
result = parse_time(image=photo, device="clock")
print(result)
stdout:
7:21
